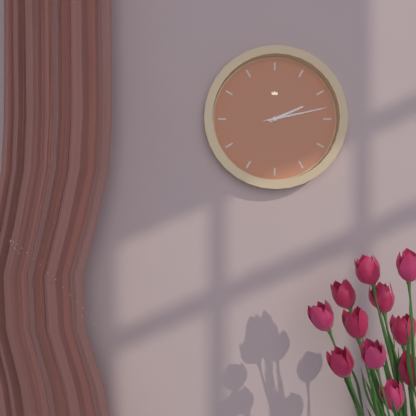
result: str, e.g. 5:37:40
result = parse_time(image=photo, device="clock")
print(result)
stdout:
2:13:13
